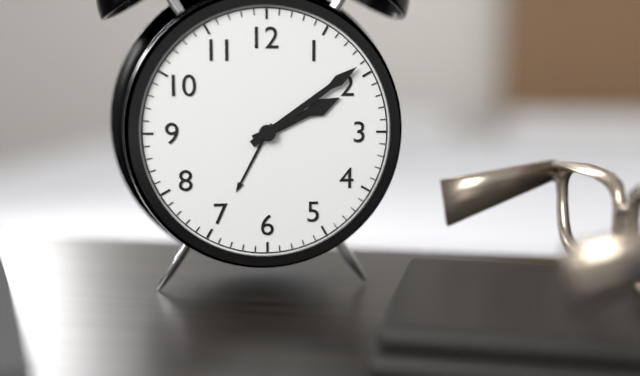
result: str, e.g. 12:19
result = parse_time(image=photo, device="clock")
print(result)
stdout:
2:09
